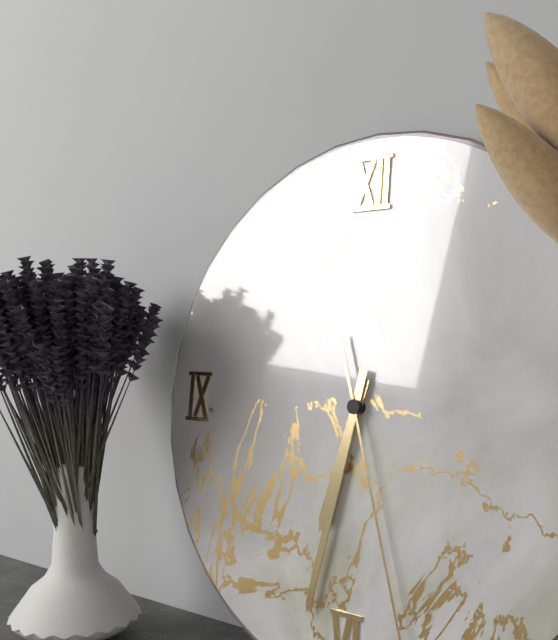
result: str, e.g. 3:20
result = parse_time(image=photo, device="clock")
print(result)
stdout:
6:32
